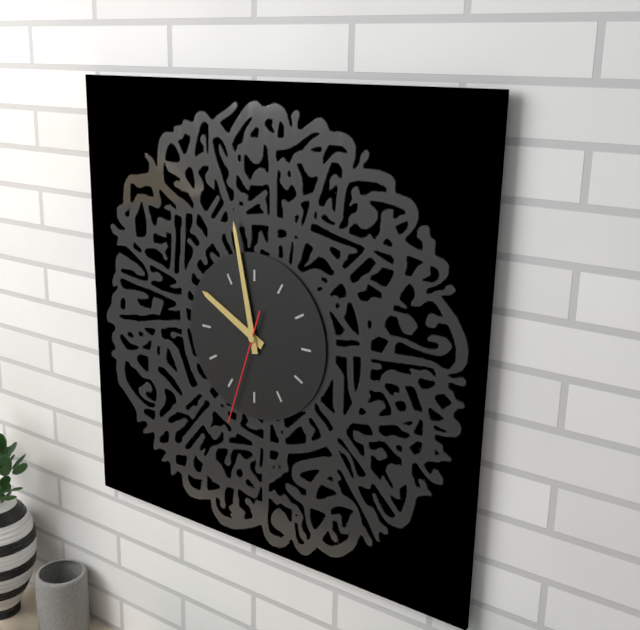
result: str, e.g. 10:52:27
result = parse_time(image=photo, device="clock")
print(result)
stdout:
9:58:33
